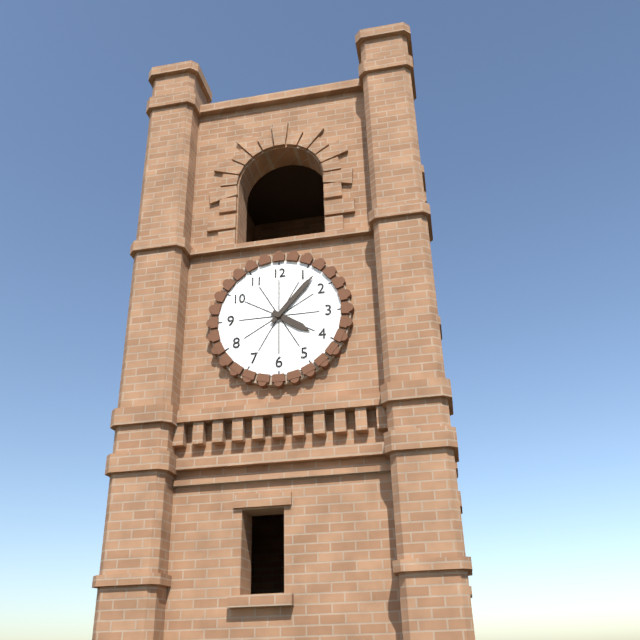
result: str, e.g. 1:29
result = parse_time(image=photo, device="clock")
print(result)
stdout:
4:07
